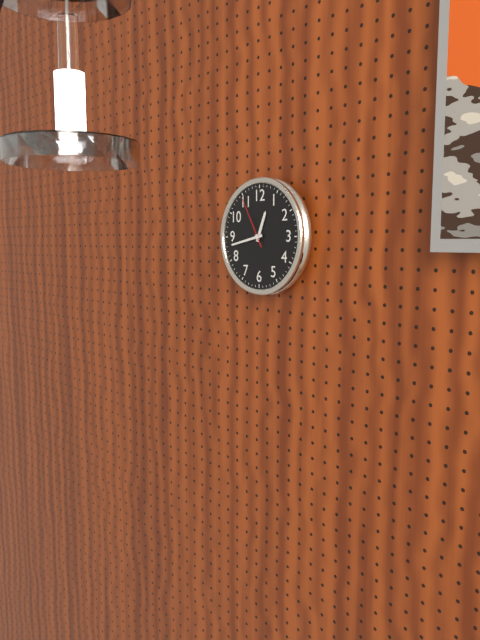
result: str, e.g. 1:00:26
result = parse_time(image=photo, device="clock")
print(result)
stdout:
12:43:55
